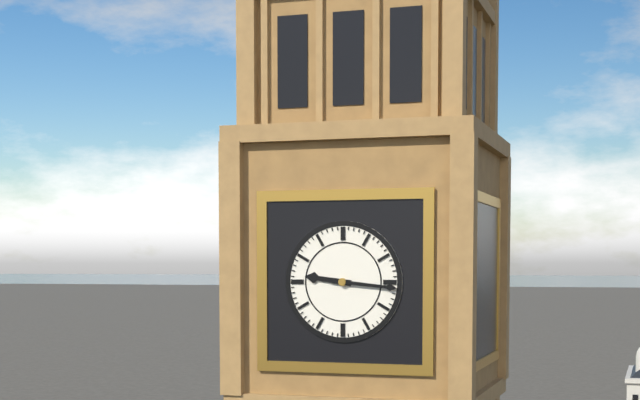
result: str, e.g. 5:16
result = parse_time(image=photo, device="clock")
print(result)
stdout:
9:16
